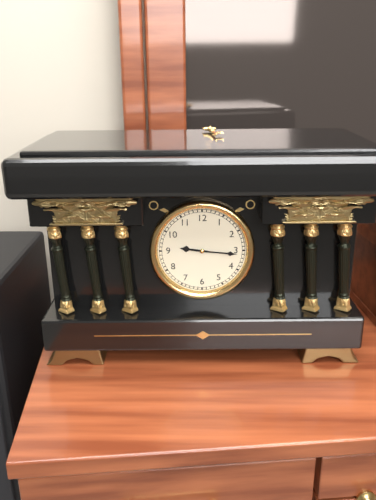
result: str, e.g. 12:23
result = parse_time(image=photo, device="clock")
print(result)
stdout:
9:16
